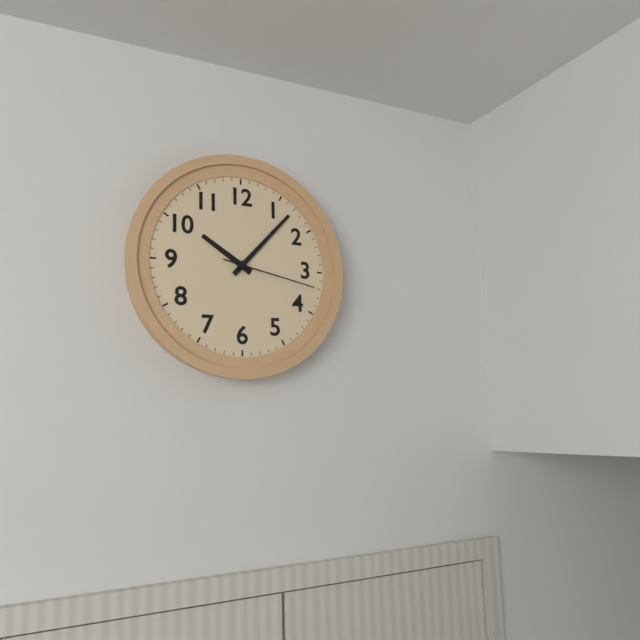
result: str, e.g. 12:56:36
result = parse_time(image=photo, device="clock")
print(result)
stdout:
10:07:17
